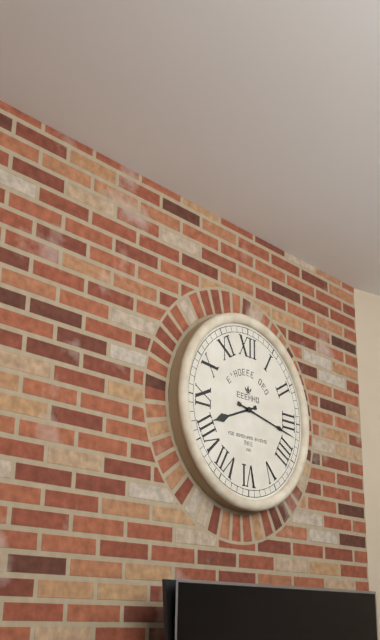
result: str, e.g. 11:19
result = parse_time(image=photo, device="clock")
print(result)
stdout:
8:17
